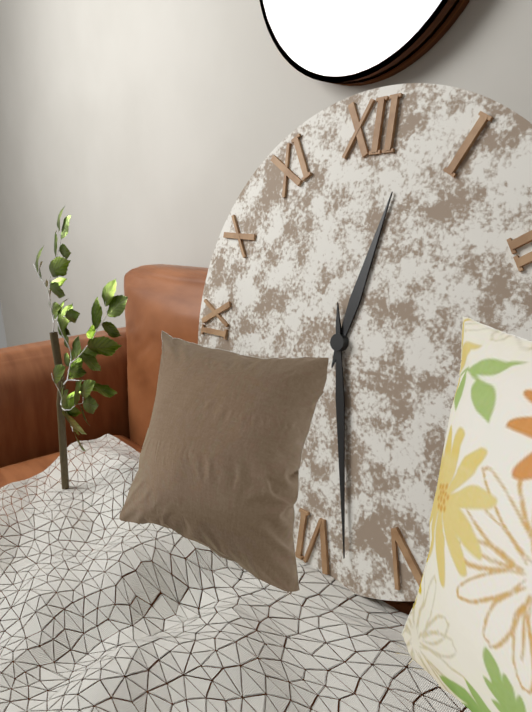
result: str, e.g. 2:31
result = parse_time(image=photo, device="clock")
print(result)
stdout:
12:28
